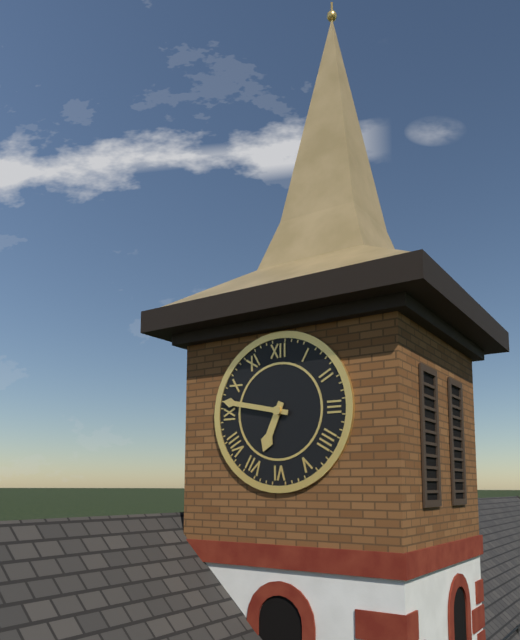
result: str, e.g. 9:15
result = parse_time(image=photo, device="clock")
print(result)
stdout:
6:47
